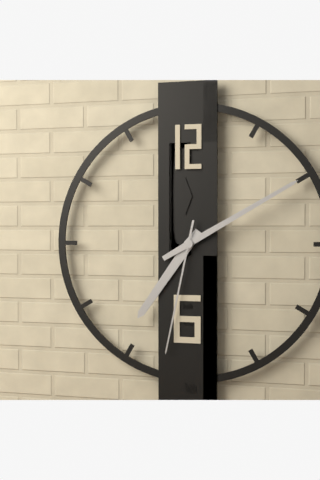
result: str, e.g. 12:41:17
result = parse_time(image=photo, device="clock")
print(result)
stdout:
7:10:32
